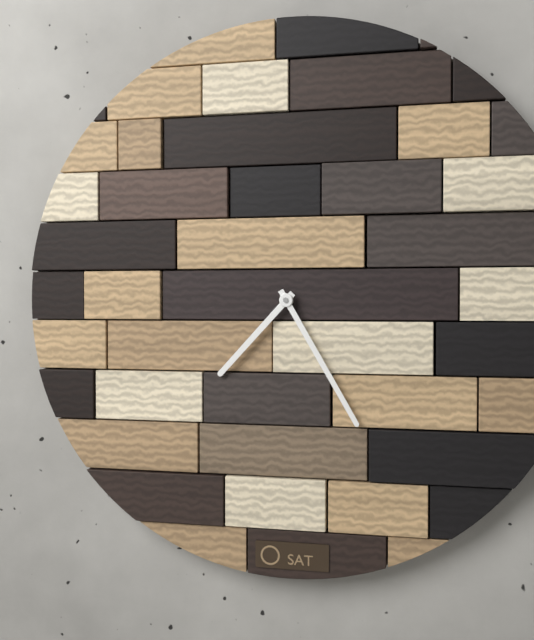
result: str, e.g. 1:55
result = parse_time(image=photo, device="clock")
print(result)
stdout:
7:25
